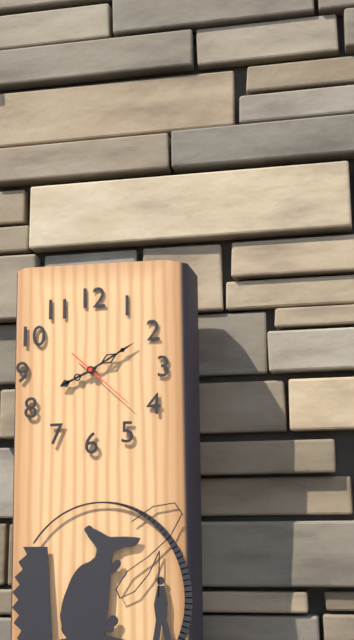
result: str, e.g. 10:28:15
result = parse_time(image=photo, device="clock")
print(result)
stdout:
8:10:22
